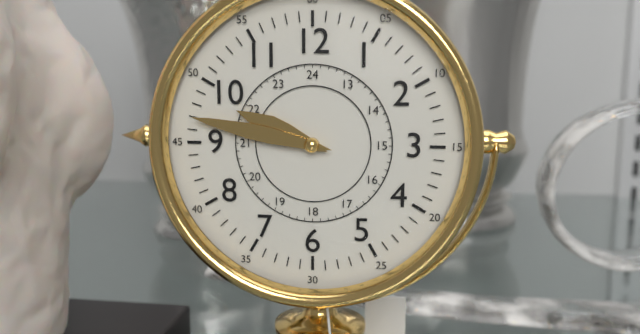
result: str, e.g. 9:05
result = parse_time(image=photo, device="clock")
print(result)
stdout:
9:47
